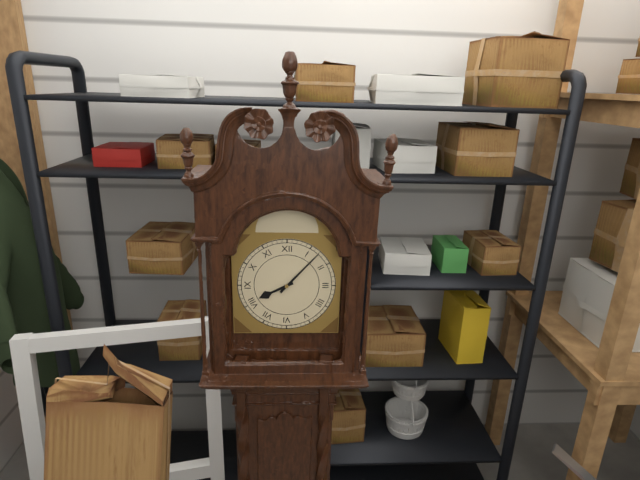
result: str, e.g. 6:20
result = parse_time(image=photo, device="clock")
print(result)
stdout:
8:07
